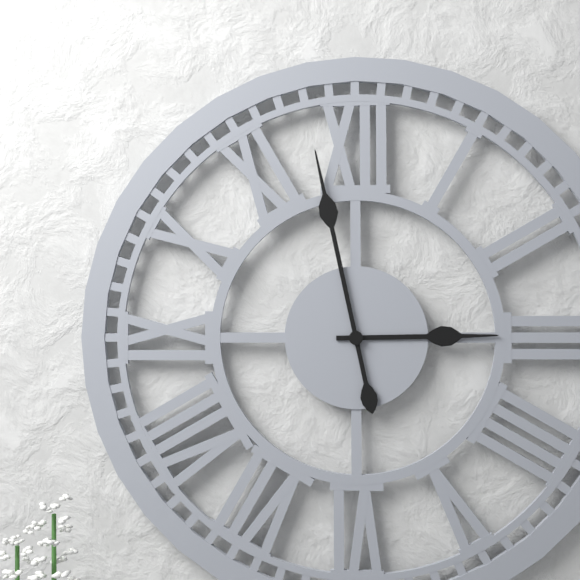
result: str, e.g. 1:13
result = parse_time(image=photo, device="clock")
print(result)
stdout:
2:58
